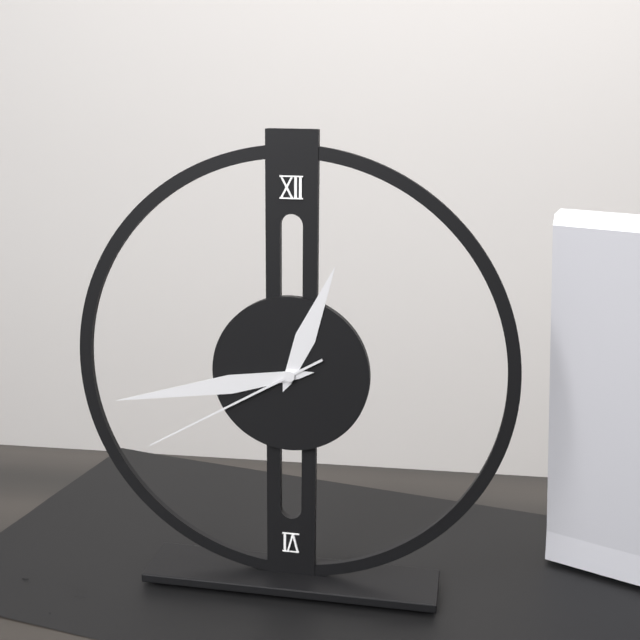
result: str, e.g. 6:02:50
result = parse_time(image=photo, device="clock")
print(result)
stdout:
12:43:40
